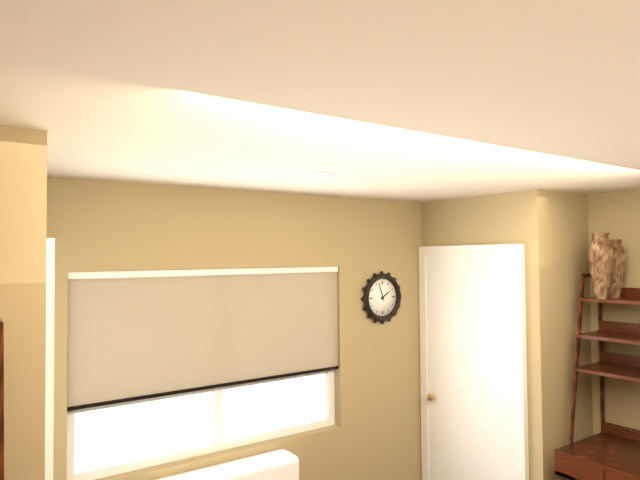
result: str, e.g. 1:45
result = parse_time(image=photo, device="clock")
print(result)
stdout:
1:57
